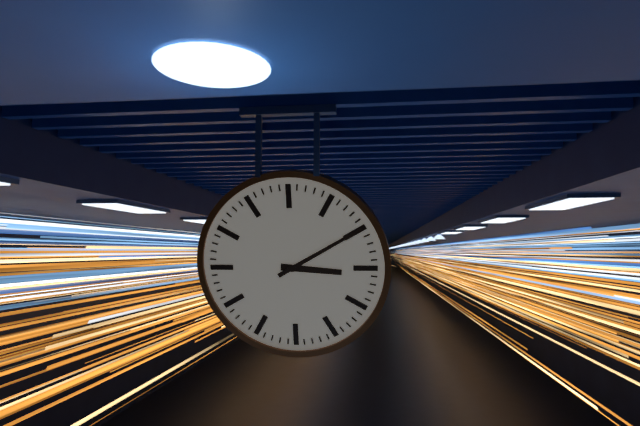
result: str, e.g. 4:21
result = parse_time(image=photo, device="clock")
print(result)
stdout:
3:10
